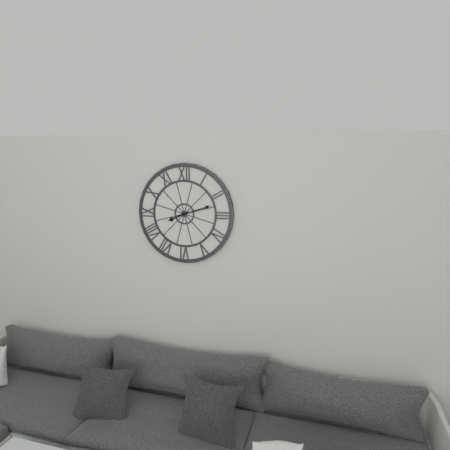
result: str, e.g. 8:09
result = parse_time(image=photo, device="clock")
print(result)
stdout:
8:12
